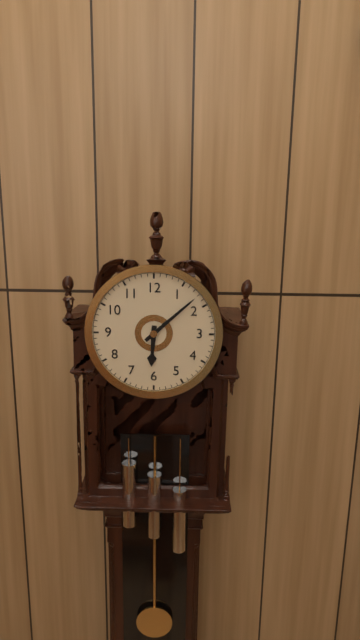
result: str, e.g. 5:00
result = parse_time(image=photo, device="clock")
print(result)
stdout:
6:08
